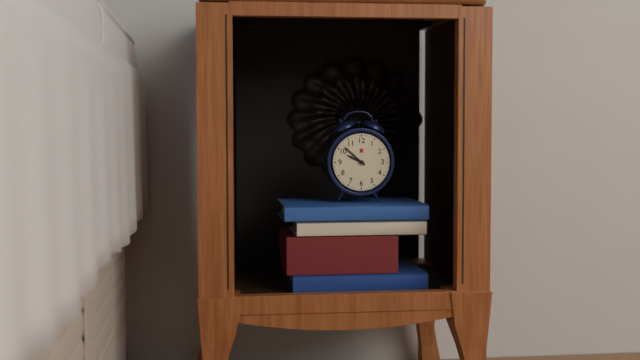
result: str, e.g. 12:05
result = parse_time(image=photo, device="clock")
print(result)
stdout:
9:52
